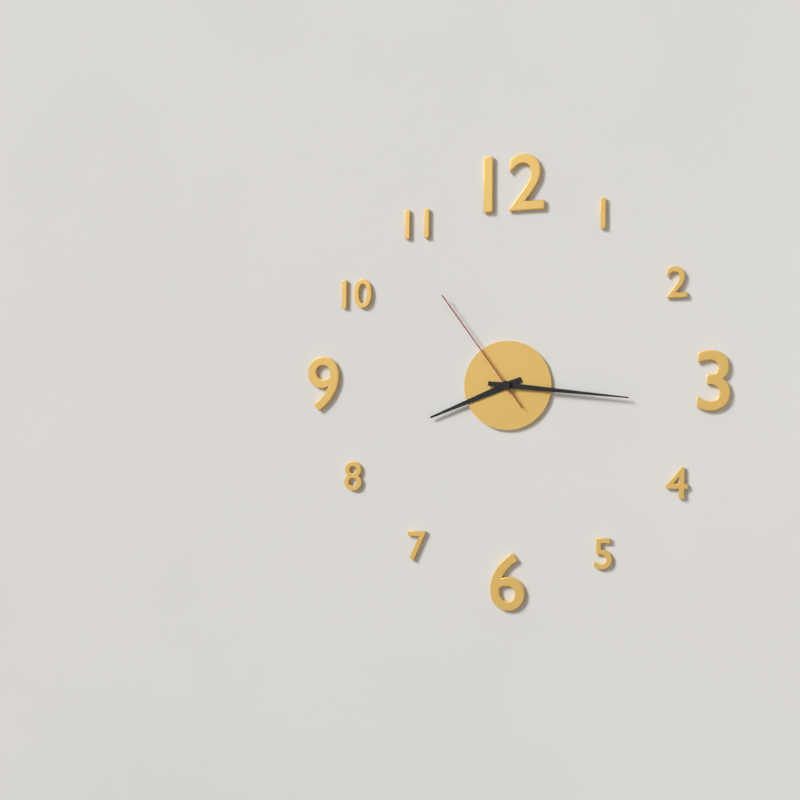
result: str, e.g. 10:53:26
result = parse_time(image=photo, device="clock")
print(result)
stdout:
8:16:54
